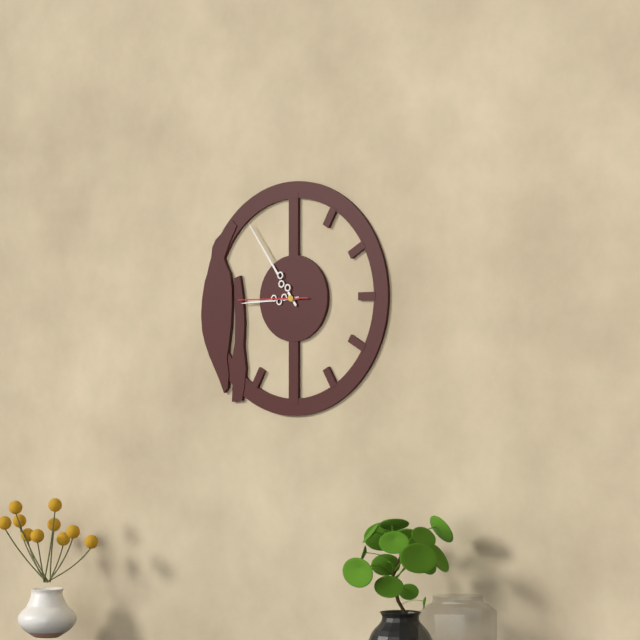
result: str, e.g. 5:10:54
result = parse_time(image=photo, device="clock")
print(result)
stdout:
8:54:45
